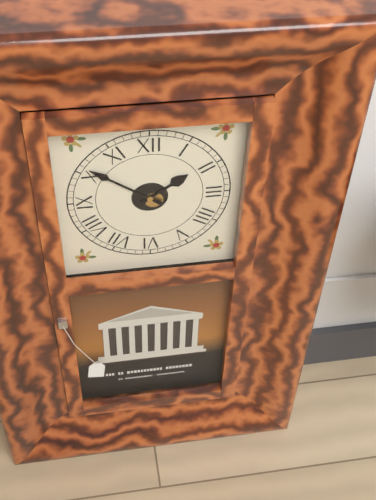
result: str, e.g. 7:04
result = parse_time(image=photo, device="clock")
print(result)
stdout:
1:51
